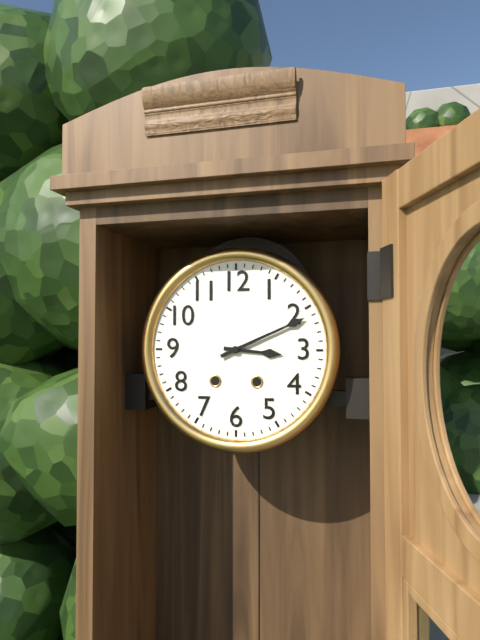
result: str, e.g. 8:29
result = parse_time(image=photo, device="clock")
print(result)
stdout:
3:11
